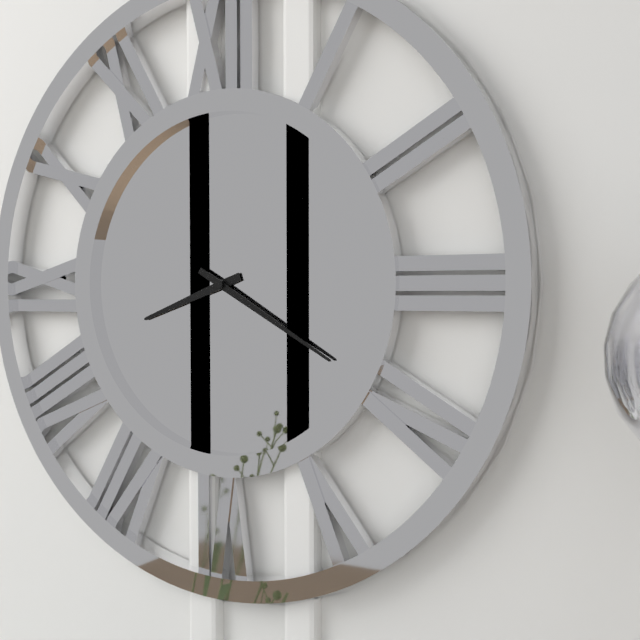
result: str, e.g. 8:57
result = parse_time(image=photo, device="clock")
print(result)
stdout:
8:20
